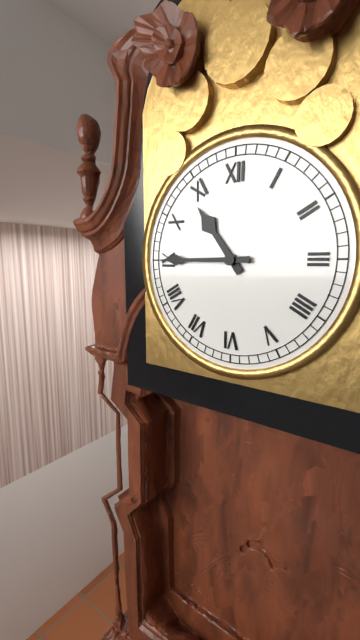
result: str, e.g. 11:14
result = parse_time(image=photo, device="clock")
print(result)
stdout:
10:45
